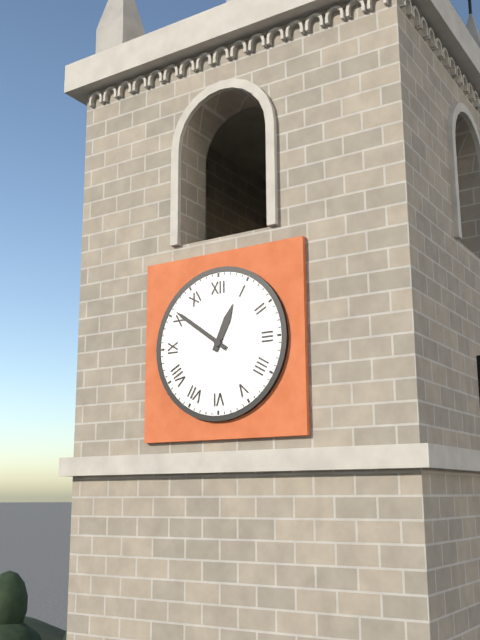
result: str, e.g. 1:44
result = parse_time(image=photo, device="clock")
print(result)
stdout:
12:51
